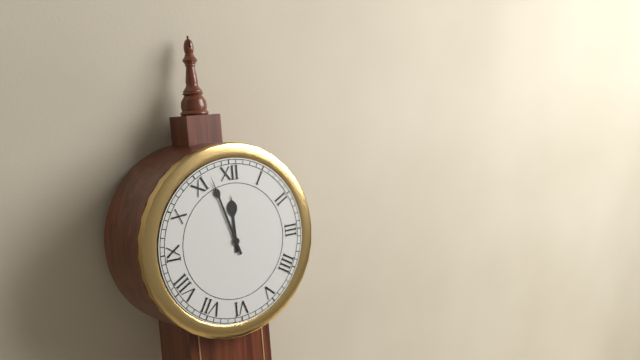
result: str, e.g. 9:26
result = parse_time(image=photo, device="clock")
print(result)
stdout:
11:57
